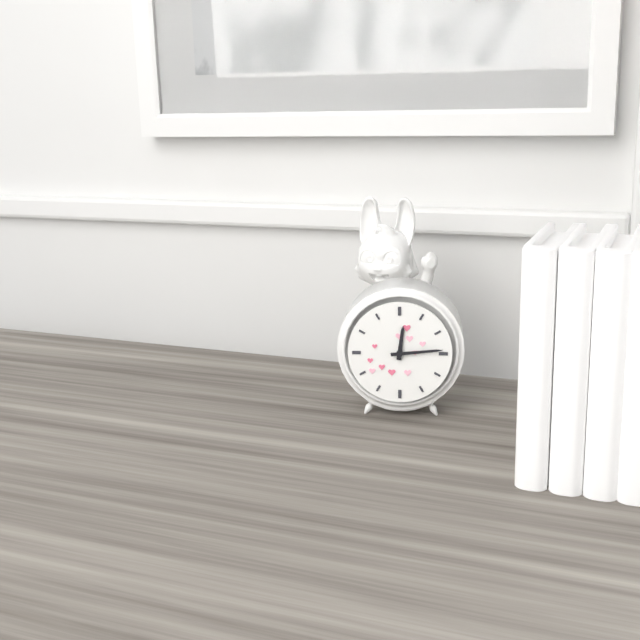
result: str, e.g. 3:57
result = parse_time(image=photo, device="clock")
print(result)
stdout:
12:14
